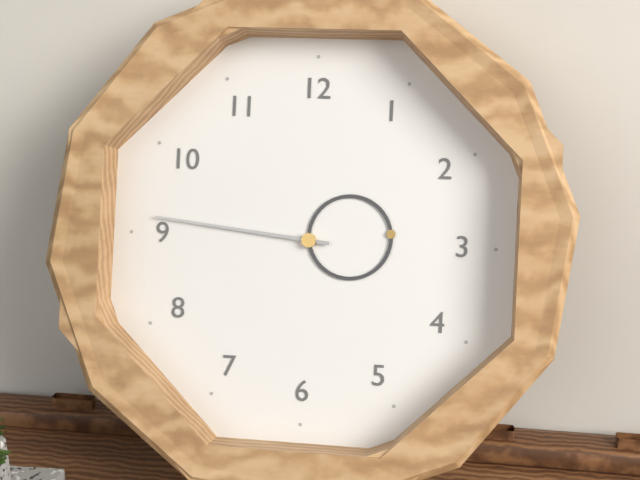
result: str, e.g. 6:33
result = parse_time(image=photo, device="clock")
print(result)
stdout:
2:46
